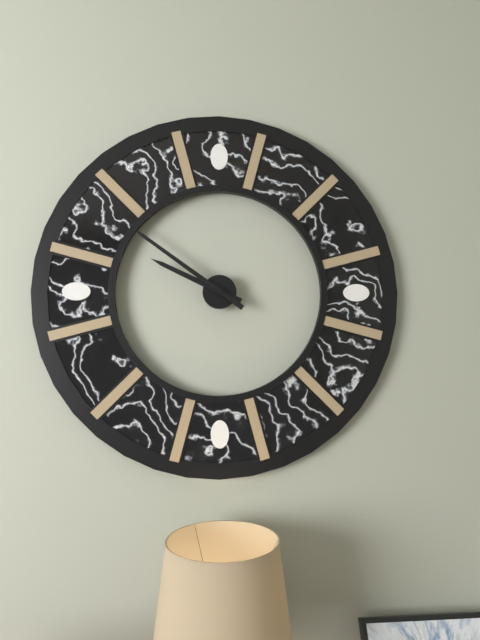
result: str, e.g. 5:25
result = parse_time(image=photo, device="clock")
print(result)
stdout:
9:51
